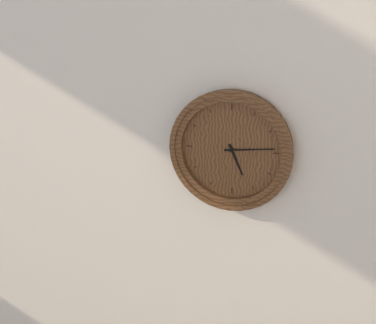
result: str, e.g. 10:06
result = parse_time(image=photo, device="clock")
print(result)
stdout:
5:14
